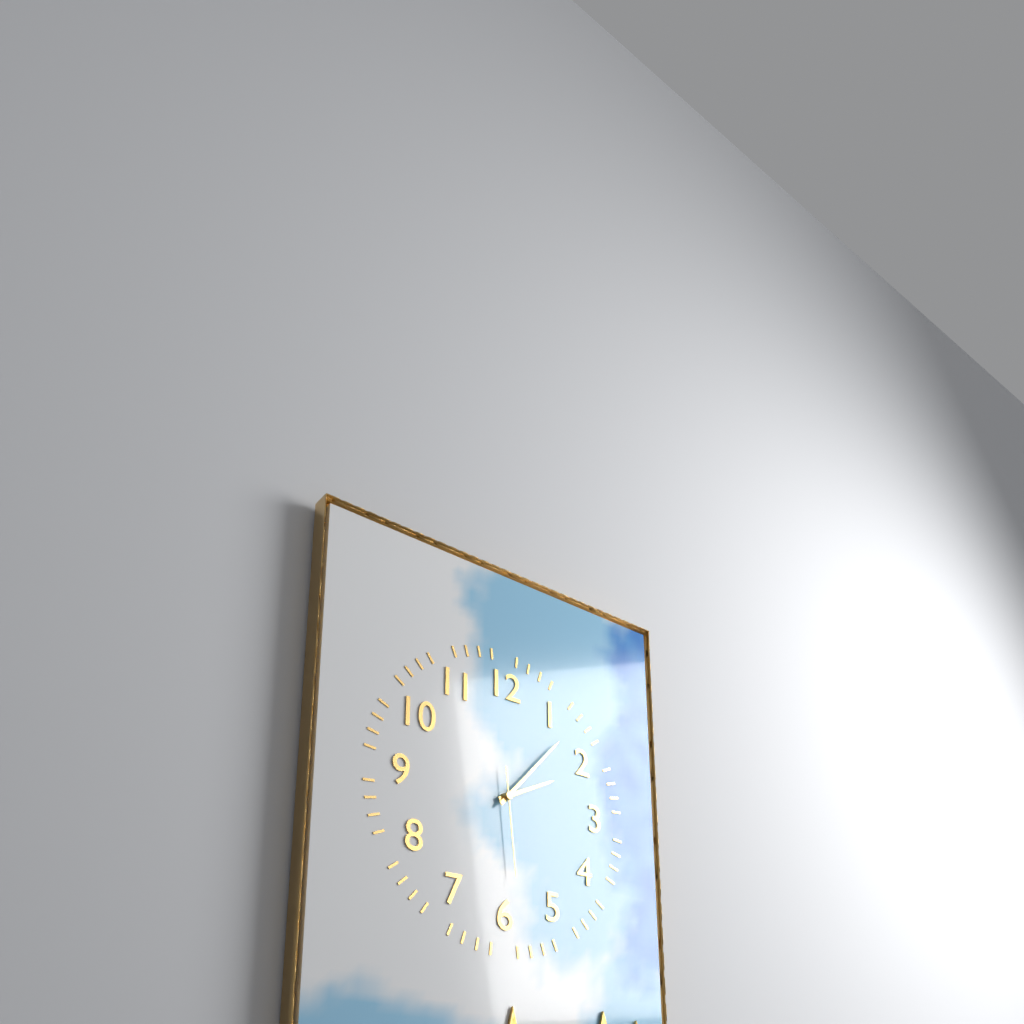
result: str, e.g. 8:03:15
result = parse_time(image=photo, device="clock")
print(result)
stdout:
2:07:29
